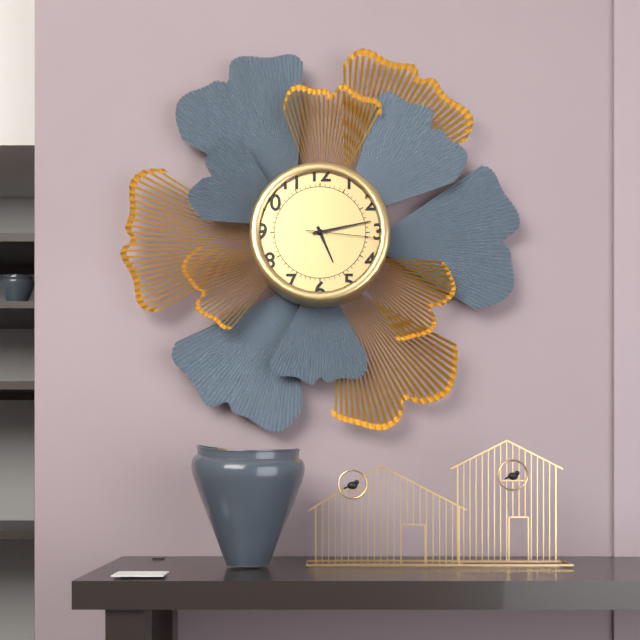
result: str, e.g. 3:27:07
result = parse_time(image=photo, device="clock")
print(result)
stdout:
5:13:16
